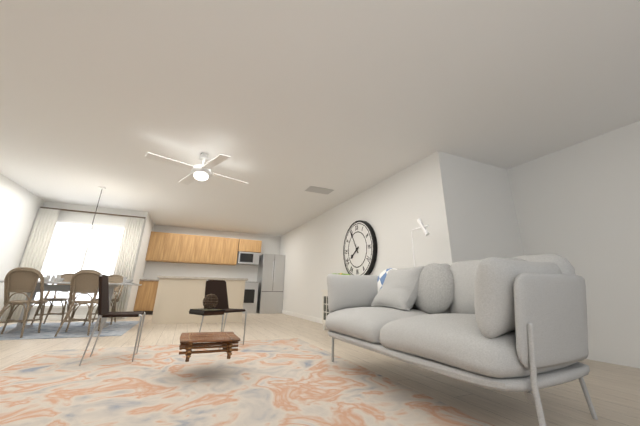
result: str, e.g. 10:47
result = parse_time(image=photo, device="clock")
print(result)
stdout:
7:55
